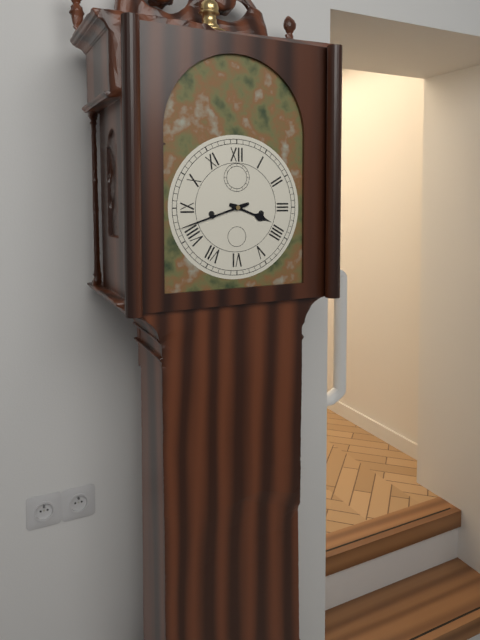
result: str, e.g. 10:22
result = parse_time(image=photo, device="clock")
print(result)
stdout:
3:42
